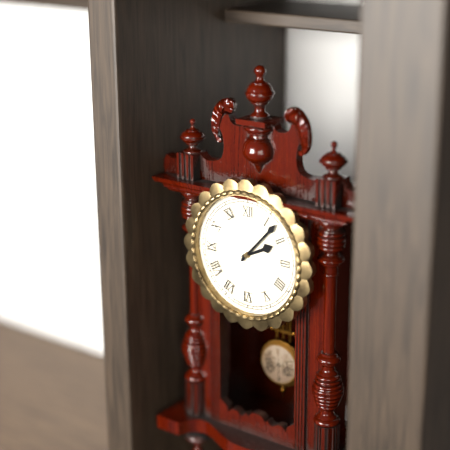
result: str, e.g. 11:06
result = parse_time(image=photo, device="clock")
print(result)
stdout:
2:07
